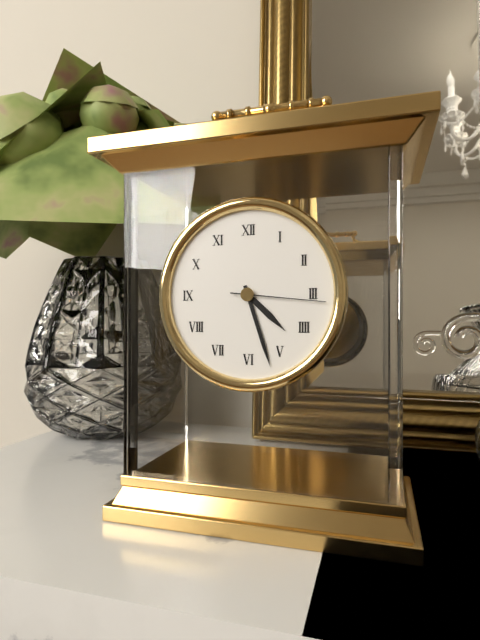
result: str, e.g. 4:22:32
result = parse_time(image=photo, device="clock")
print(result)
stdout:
4:27:16
